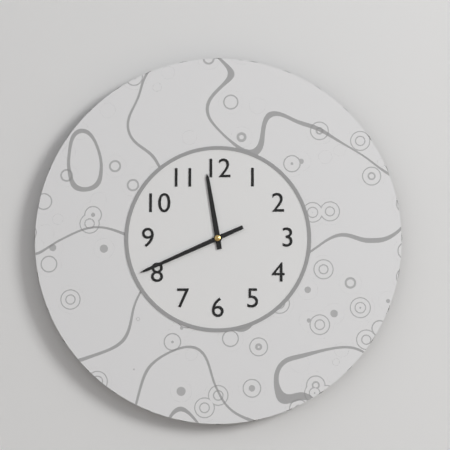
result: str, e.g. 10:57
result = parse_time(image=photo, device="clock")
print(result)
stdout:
11:41
